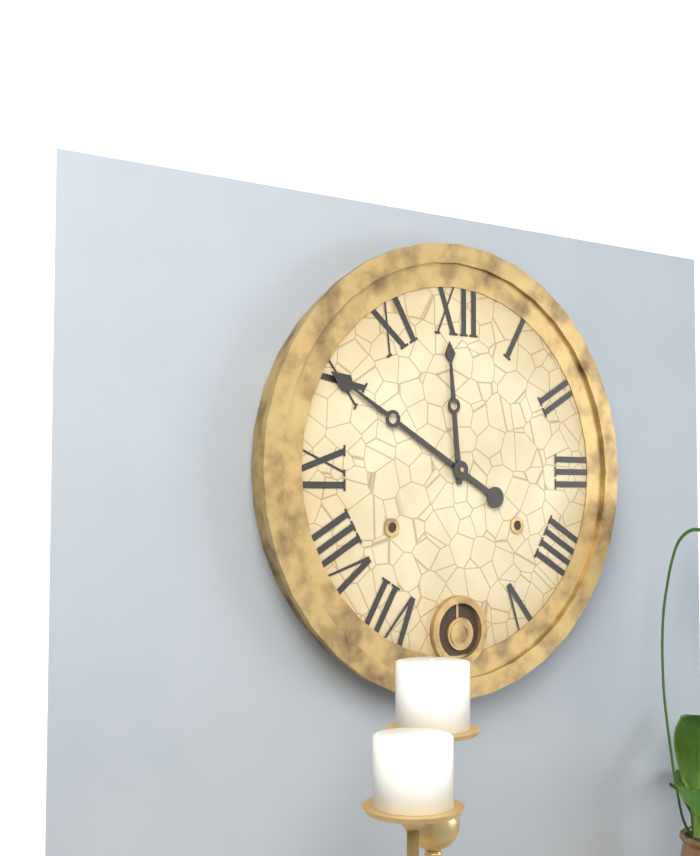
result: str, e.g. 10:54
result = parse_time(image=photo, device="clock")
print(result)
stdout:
11:50
